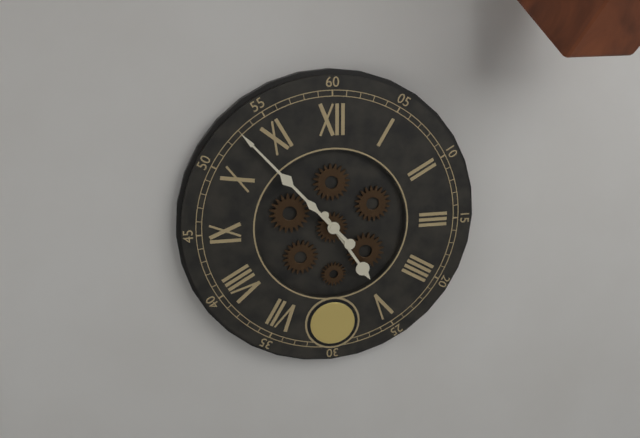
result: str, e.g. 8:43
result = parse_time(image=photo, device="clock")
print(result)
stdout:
4:53
